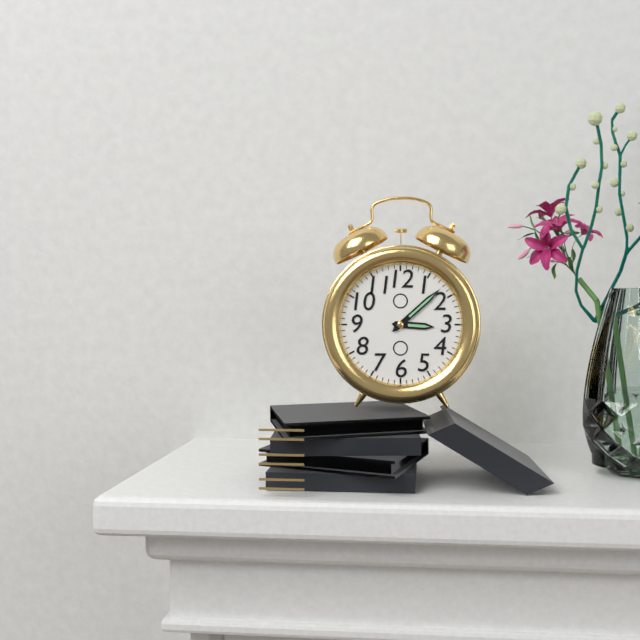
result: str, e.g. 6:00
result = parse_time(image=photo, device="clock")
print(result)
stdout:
3:08
